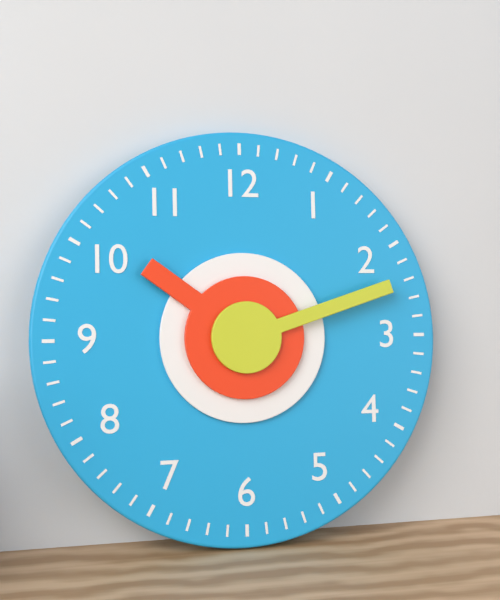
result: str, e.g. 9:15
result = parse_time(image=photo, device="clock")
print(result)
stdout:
10:12
